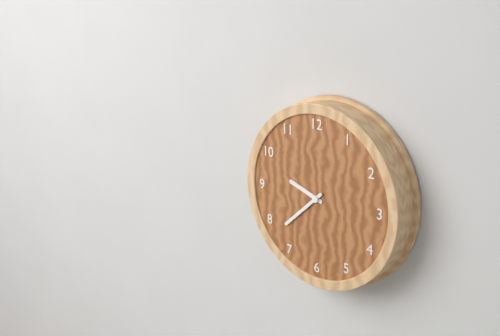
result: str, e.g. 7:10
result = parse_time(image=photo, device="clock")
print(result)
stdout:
9:38
